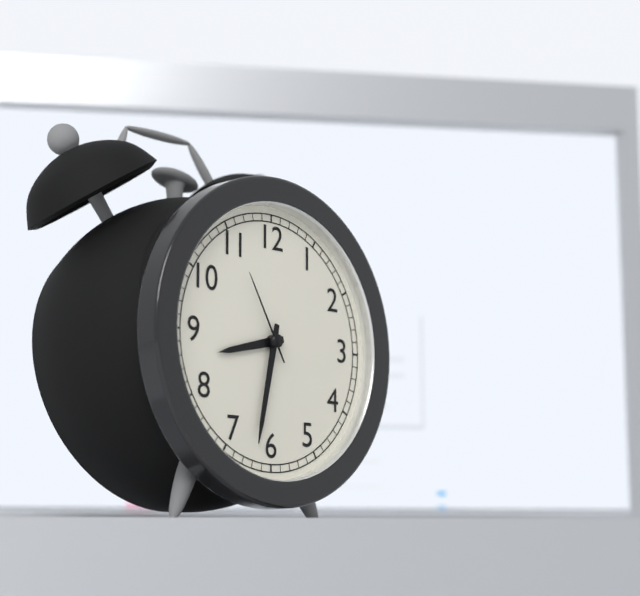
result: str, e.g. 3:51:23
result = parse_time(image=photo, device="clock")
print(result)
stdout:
8:32:55
